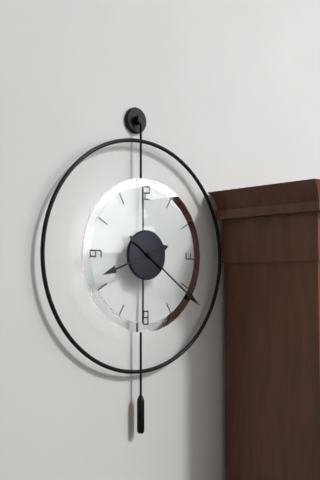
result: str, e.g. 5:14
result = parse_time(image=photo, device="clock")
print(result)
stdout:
8:21
